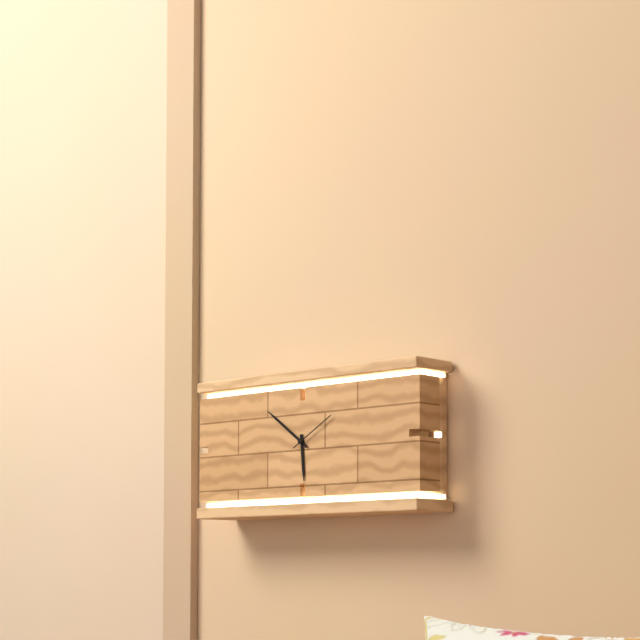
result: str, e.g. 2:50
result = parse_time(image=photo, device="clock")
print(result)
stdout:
5:51
